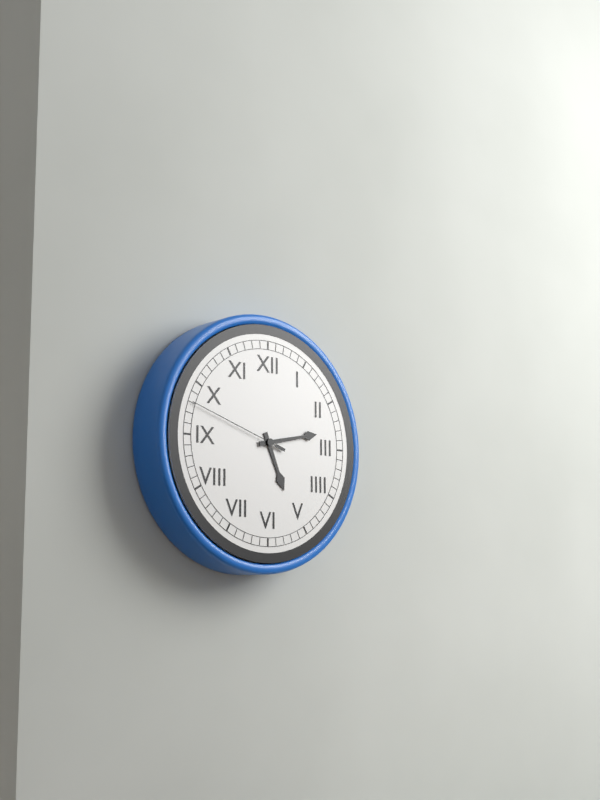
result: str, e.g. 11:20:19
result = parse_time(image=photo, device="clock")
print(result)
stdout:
5:13:48
